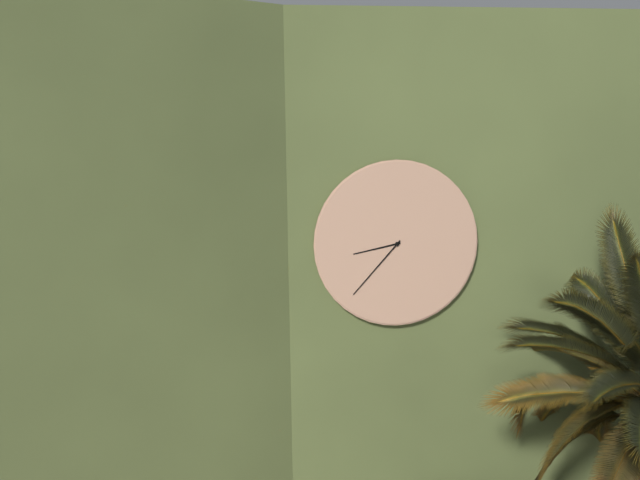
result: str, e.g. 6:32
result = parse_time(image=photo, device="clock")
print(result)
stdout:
8:37
